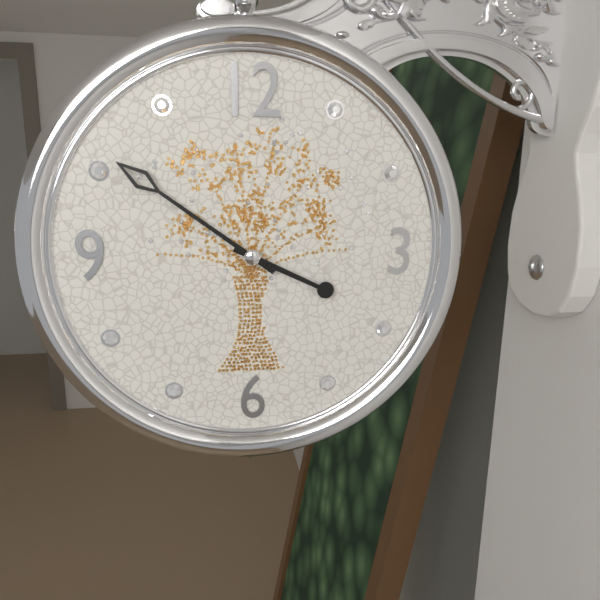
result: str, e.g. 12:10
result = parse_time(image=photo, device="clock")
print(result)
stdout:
3:51
